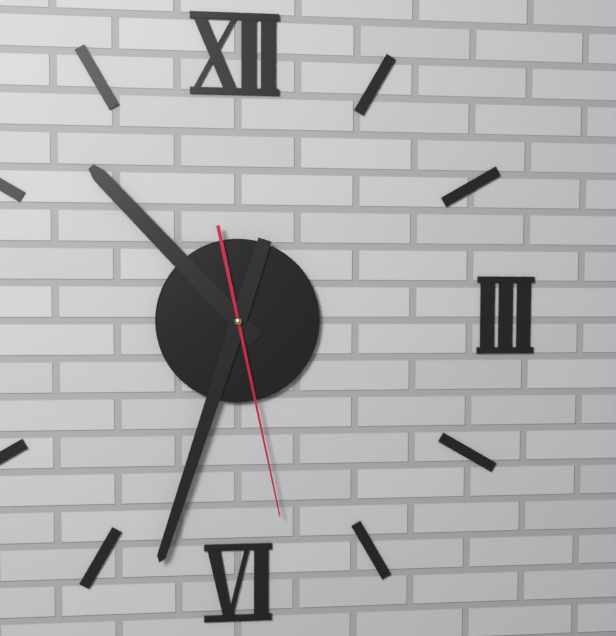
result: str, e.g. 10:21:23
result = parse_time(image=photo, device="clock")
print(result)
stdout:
10:33:28
